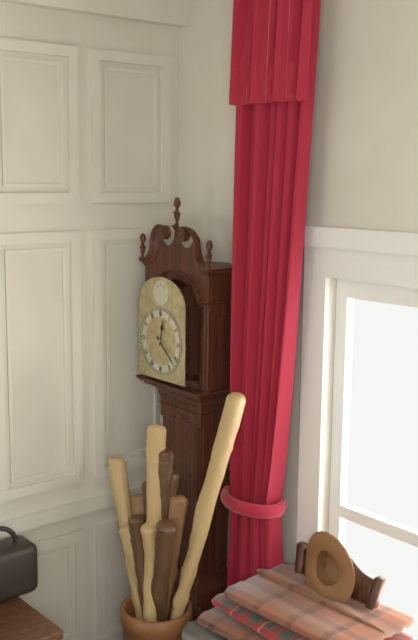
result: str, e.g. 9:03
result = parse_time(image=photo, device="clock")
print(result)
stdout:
12:22
